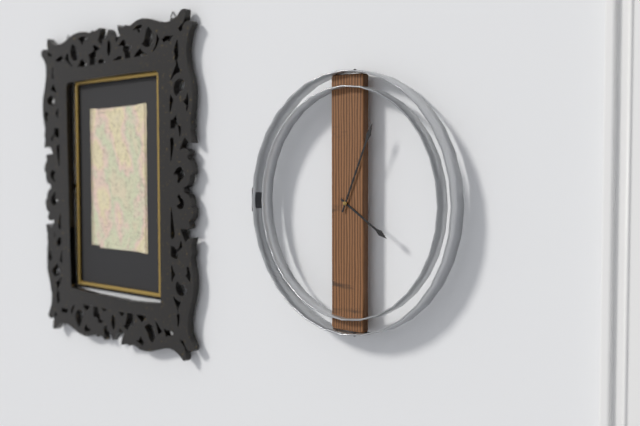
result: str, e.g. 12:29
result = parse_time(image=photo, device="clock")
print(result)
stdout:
4:04
